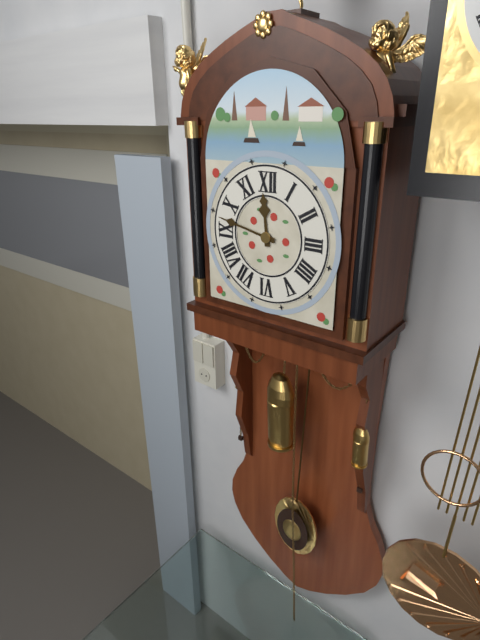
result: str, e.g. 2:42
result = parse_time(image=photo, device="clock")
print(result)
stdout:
11:47
